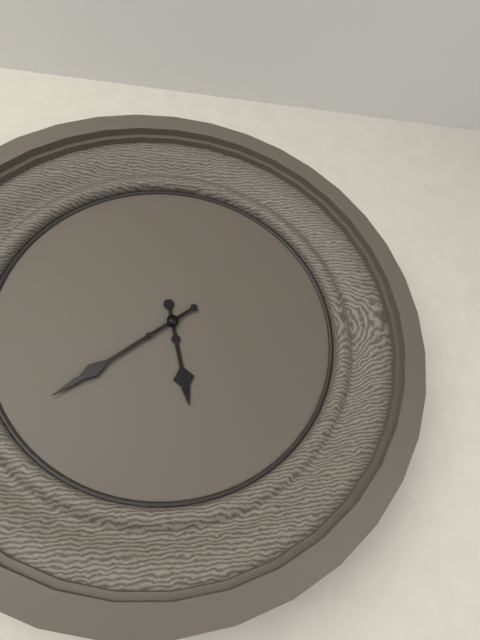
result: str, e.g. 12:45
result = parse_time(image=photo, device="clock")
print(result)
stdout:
5:39
